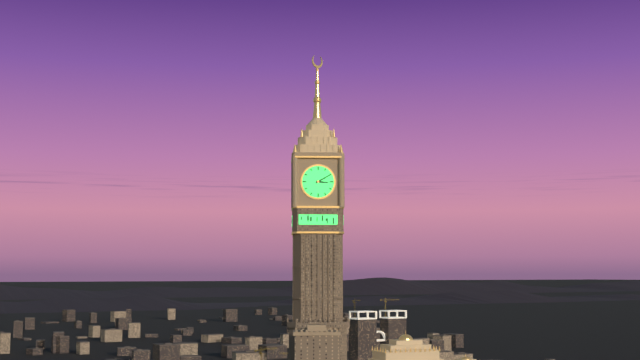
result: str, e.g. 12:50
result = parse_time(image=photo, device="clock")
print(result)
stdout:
3:10
